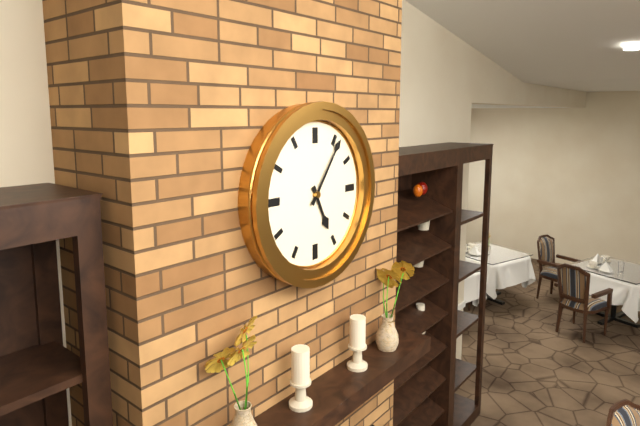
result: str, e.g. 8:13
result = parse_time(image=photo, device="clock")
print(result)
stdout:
5:06
